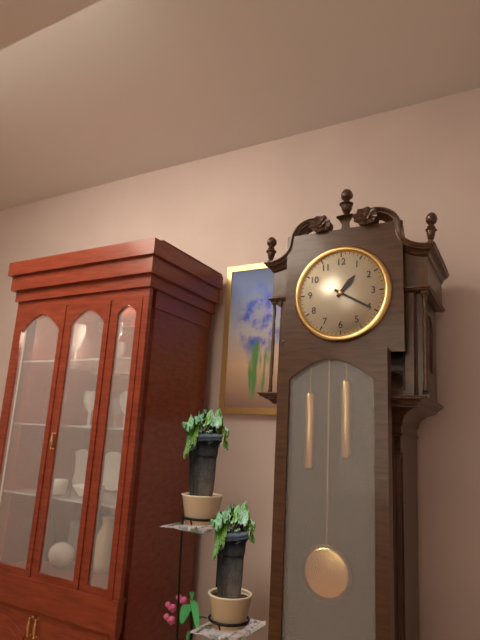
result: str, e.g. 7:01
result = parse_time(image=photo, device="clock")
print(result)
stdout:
1:20
